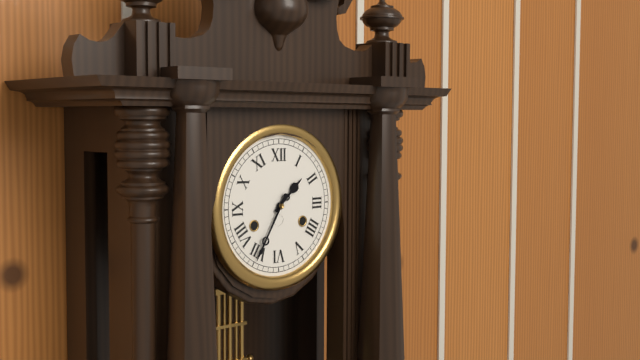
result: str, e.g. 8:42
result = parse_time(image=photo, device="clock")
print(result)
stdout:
1:35
